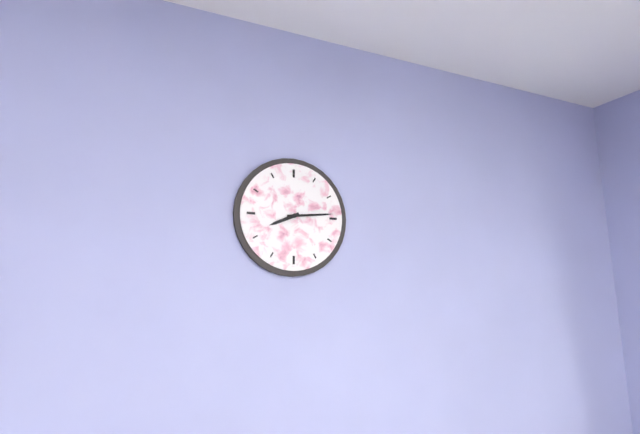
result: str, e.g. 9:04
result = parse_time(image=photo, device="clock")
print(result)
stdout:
8:14
